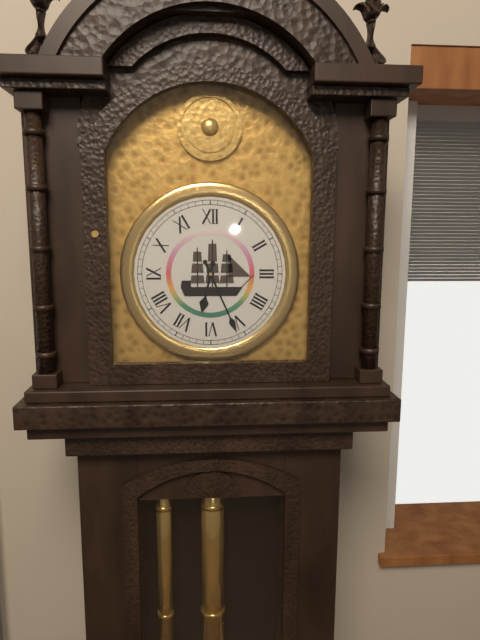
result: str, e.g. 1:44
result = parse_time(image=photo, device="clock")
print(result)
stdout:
6:26
